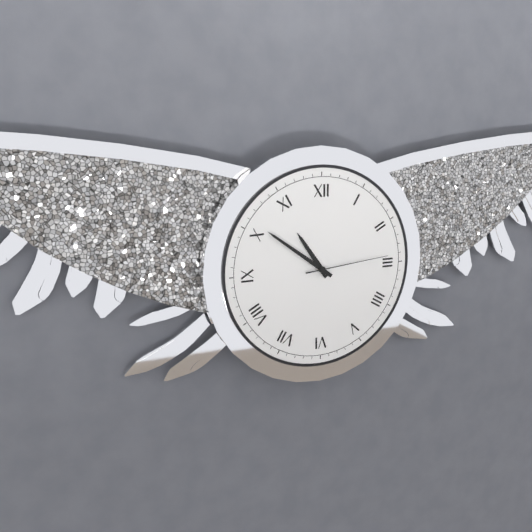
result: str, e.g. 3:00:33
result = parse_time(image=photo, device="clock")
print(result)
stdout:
10:51:14
